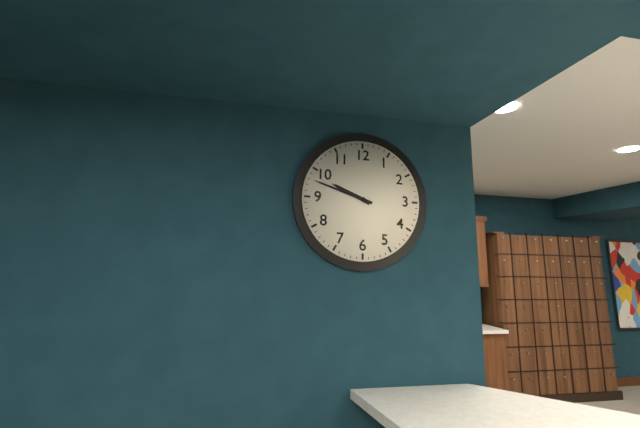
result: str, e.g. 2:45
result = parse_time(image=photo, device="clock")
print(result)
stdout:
9:48
